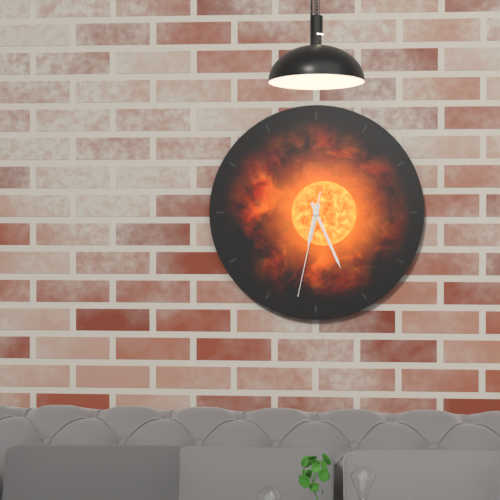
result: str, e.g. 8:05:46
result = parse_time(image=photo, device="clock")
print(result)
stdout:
6:26:32
